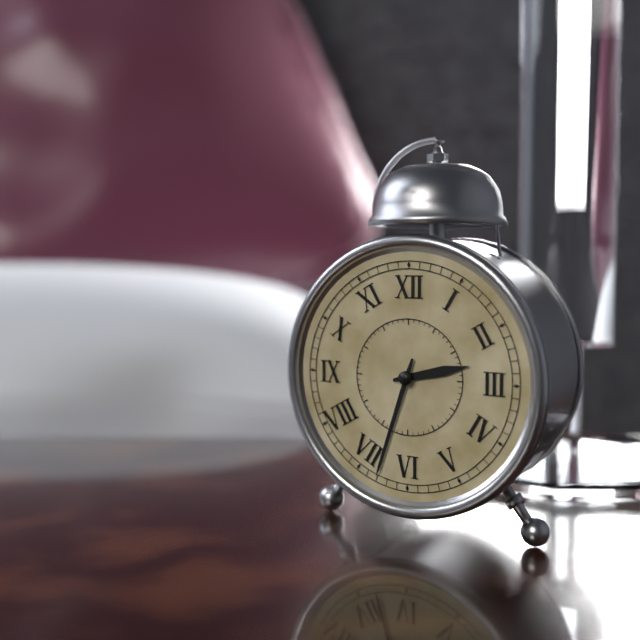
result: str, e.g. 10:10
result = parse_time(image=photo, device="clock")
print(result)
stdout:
2:33
